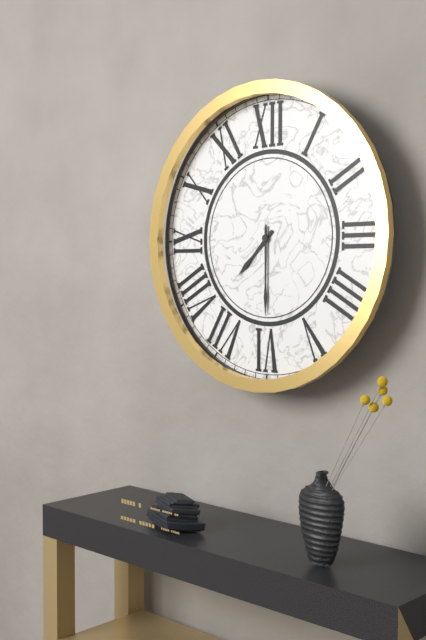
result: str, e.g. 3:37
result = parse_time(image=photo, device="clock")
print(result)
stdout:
7:30
